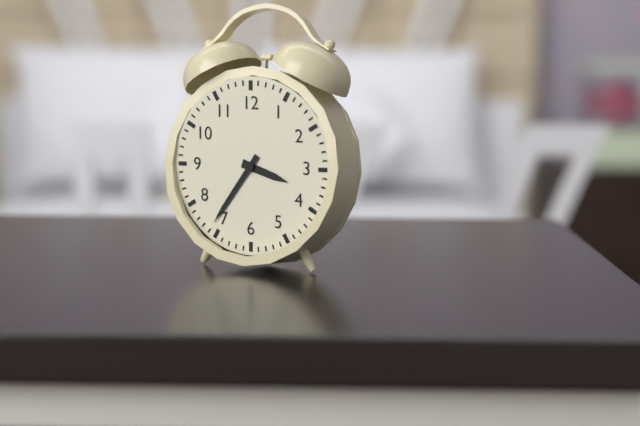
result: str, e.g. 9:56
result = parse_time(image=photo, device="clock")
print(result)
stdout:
3:36
